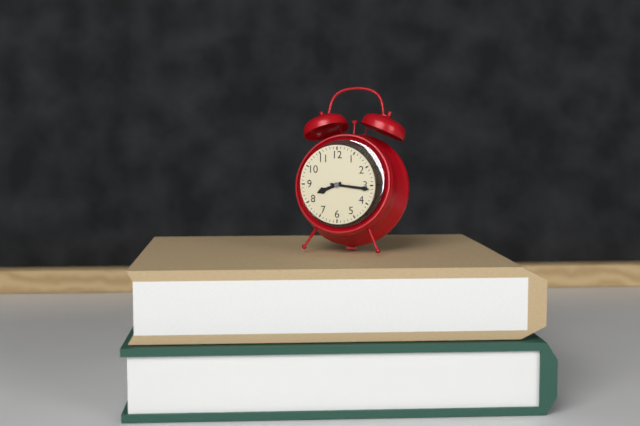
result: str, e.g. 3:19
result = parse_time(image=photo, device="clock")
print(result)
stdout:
8:16
